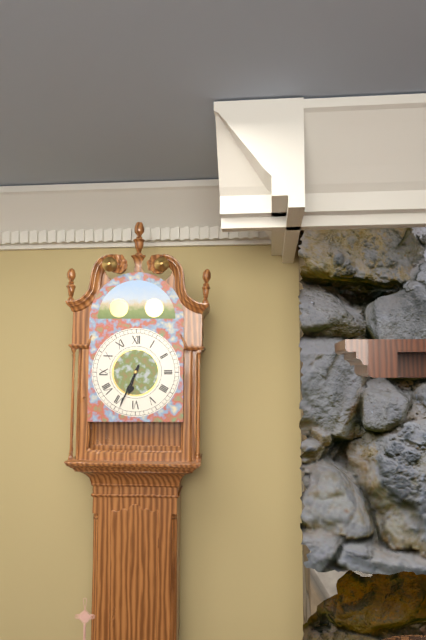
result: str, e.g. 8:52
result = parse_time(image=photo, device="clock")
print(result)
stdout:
6:34
